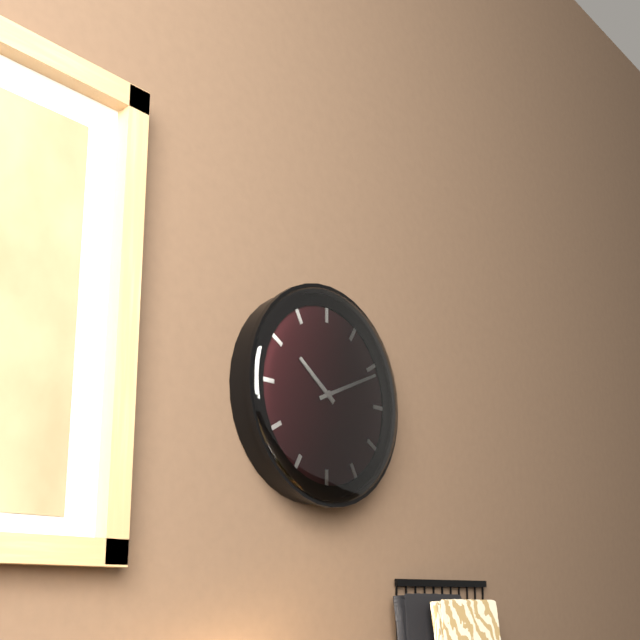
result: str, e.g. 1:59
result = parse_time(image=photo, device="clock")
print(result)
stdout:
10:11
